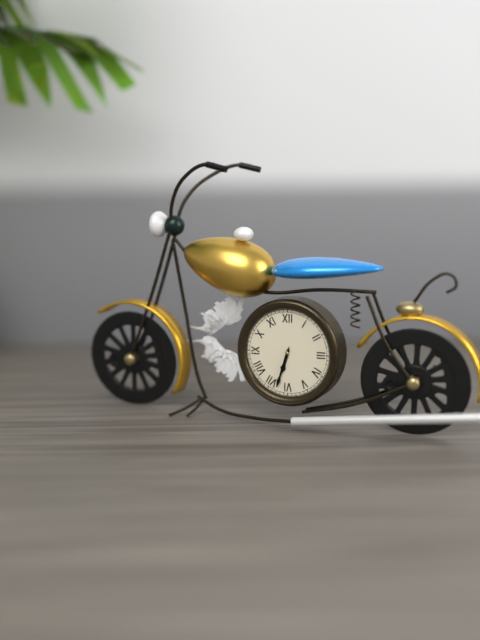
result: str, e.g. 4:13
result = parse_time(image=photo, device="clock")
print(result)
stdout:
6:33
